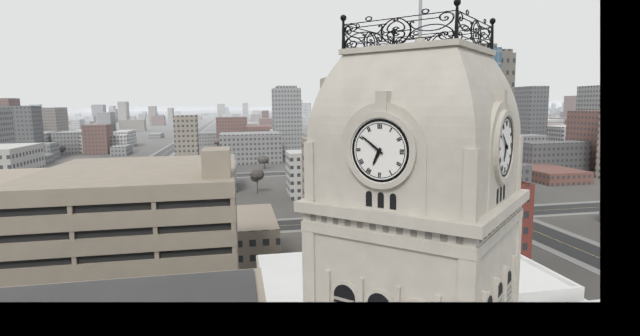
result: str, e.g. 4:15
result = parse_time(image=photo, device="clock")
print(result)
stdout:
6:51
